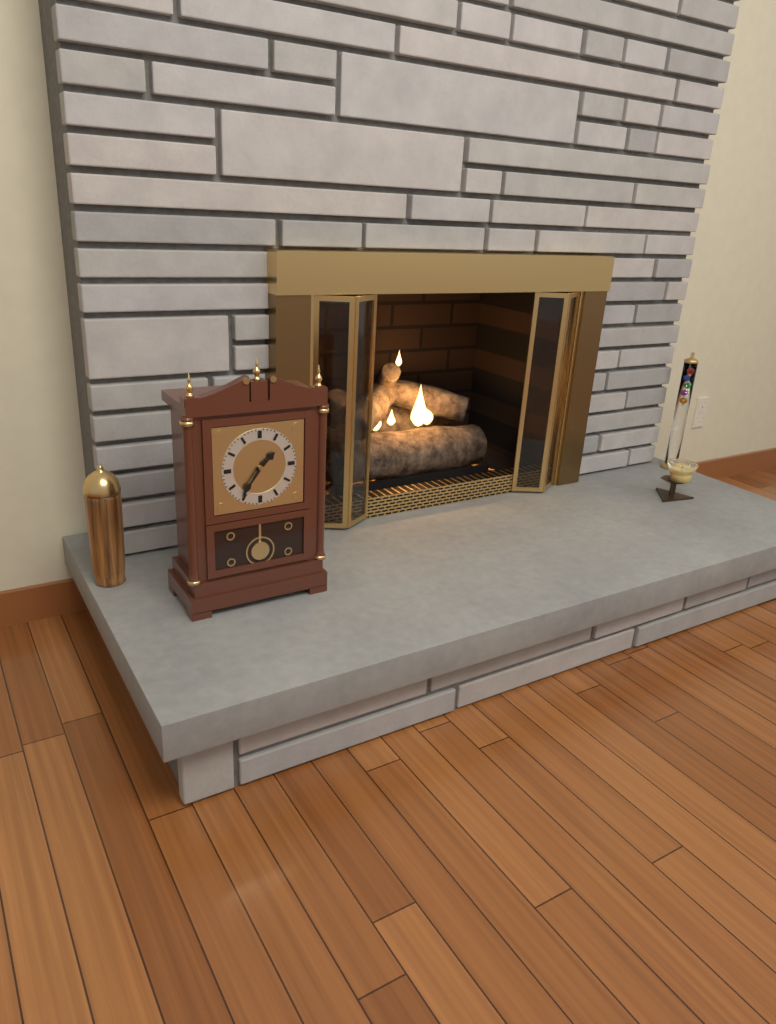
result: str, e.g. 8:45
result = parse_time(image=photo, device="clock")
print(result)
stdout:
1:36
